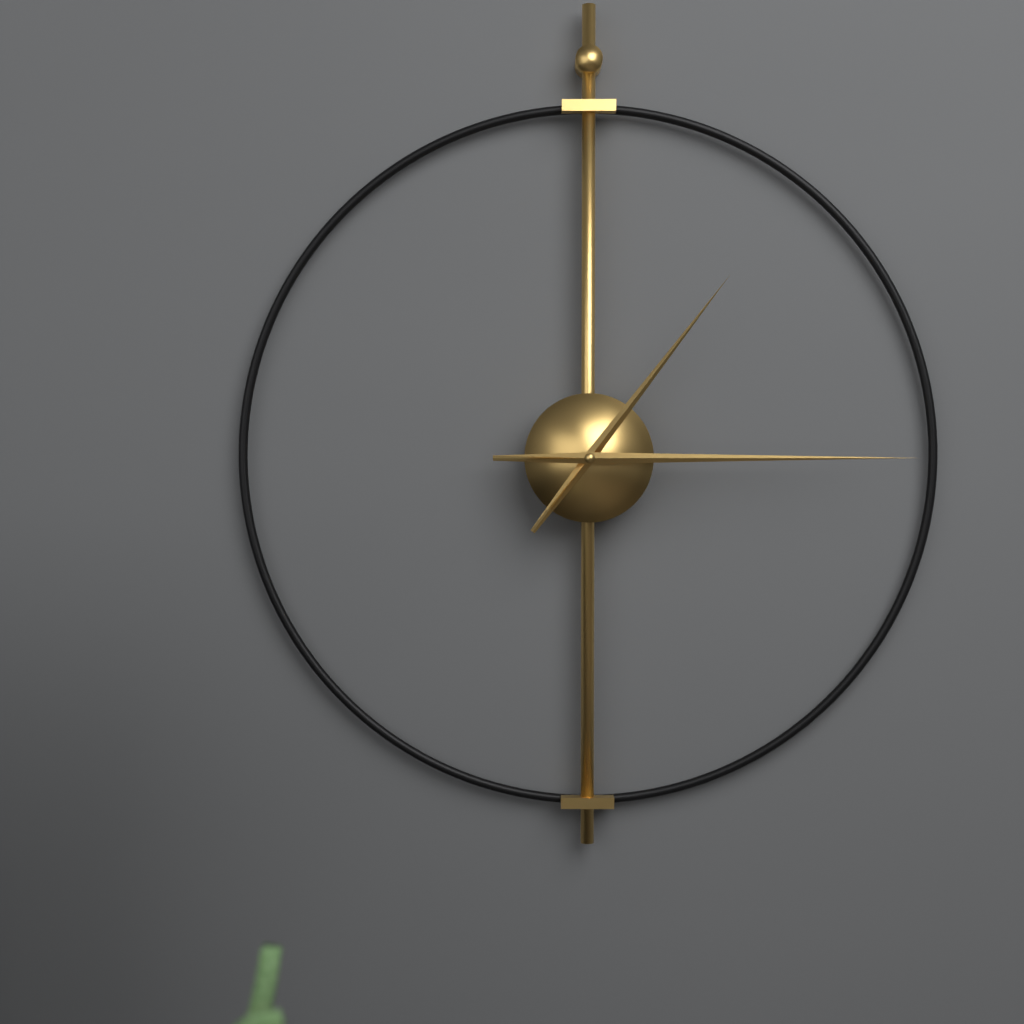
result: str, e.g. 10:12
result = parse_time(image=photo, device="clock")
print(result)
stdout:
1:15
